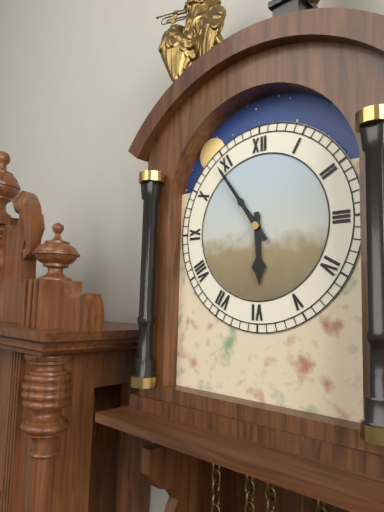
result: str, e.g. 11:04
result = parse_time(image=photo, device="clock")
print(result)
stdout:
5:54
